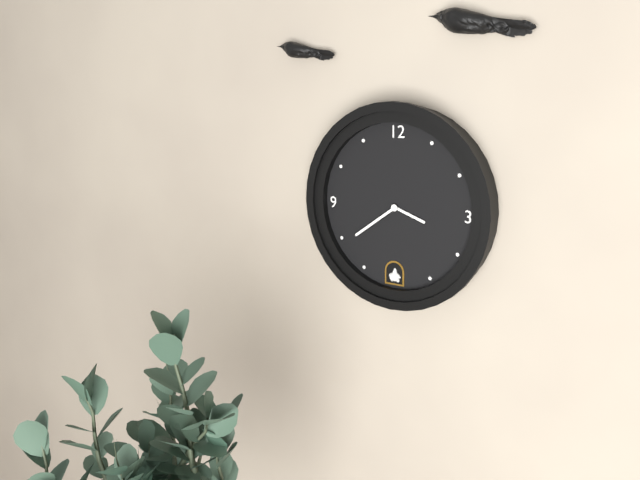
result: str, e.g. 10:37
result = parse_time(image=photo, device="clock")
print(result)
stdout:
3:39
